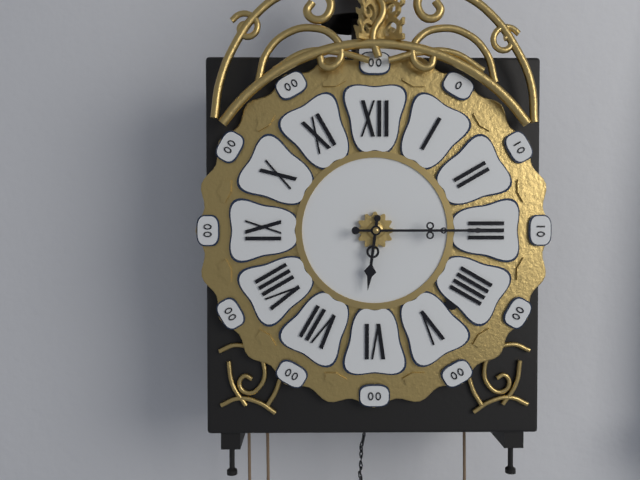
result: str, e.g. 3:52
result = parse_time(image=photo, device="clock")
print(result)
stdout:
6:15
